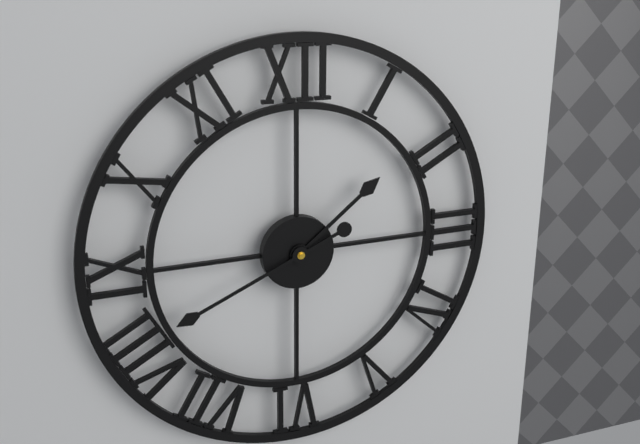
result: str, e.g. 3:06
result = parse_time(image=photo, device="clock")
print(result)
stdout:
1:41
